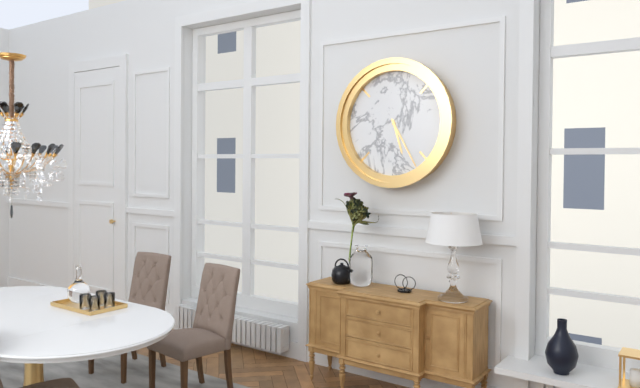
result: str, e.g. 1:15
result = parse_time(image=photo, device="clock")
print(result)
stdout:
5:25
